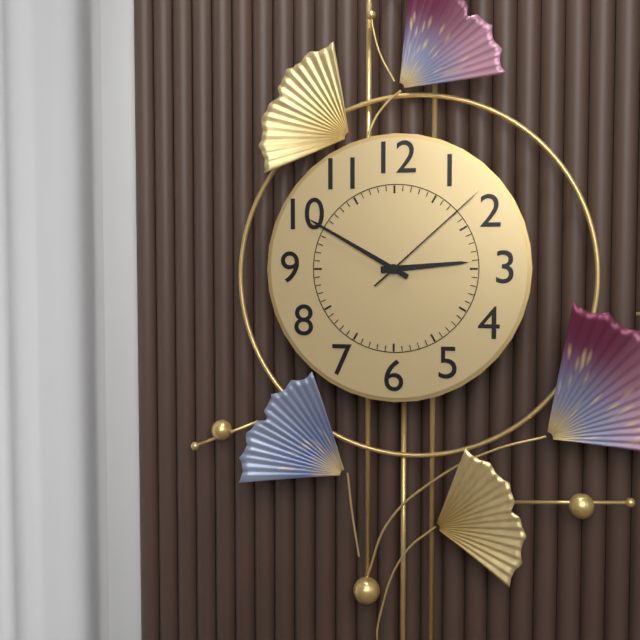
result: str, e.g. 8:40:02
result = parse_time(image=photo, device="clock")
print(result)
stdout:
2:50:08
